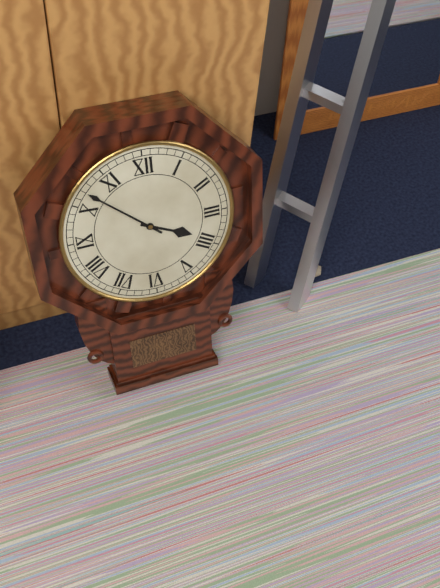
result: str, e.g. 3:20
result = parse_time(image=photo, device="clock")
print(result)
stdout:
3:52
